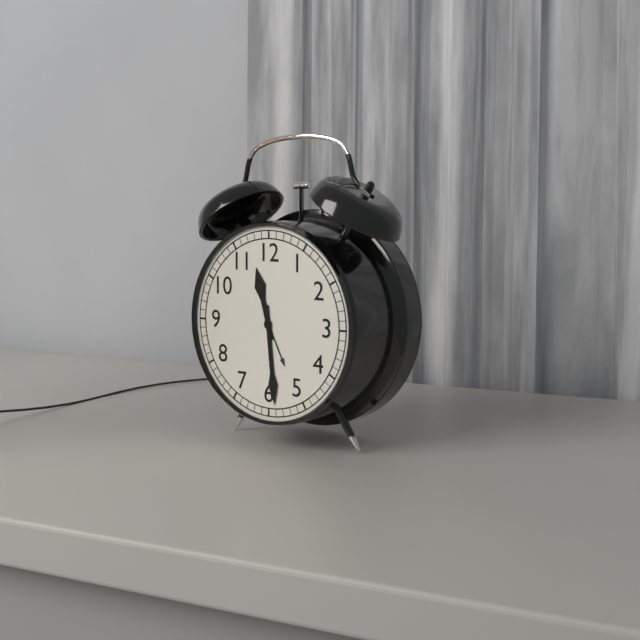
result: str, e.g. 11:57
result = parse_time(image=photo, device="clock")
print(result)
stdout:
11:29
